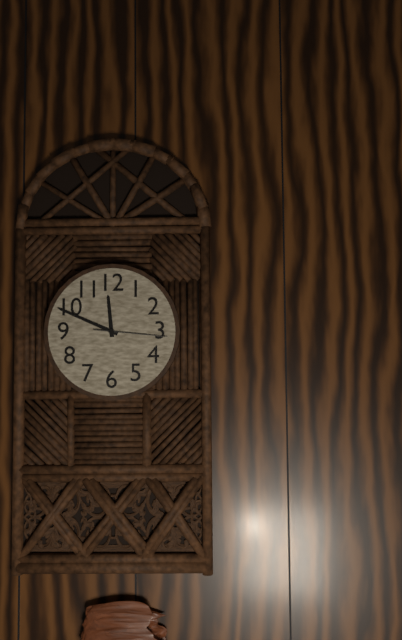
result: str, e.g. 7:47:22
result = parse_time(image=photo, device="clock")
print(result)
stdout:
11:49:16
